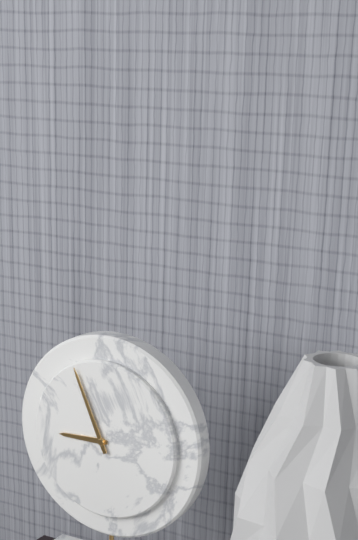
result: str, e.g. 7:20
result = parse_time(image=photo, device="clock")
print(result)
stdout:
8:56
